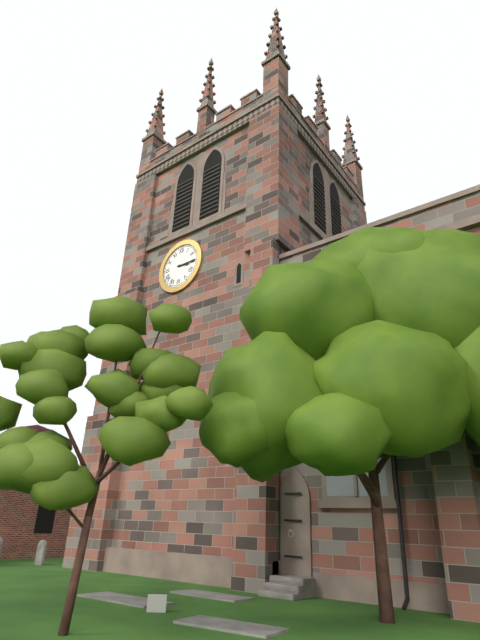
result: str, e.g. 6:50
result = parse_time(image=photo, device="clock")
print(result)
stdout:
3:15
